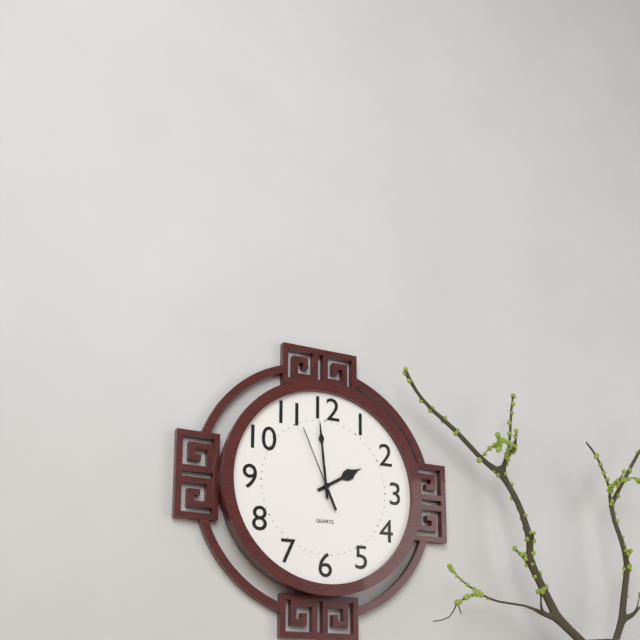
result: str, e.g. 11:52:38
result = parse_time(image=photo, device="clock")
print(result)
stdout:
1:59:56
